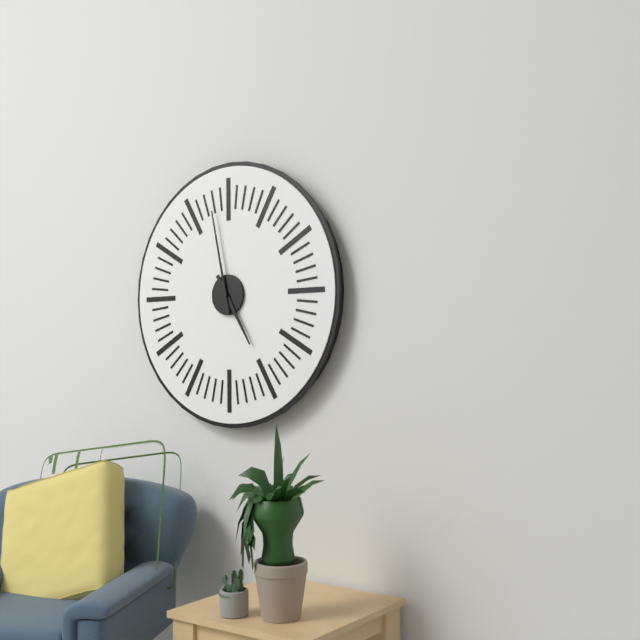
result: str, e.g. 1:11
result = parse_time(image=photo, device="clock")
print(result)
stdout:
4:58
